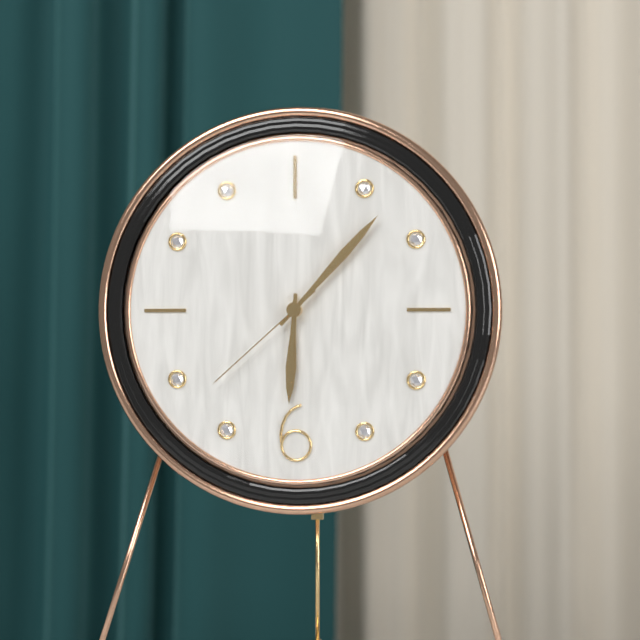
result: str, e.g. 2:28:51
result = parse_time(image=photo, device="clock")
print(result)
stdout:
6:07:38
